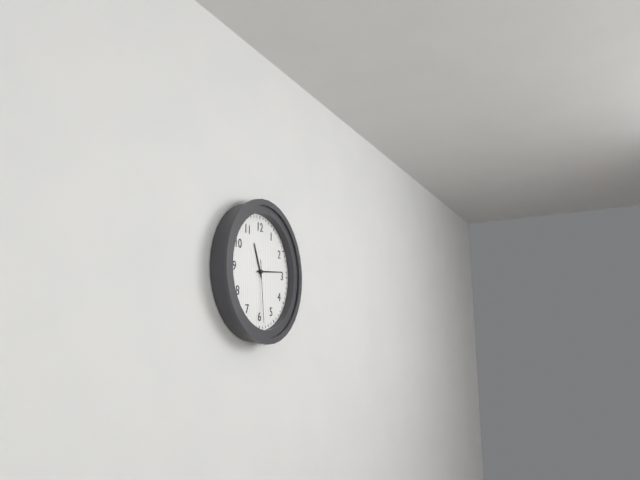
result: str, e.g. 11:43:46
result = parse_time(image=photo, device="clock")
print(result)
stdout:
11:14:29
